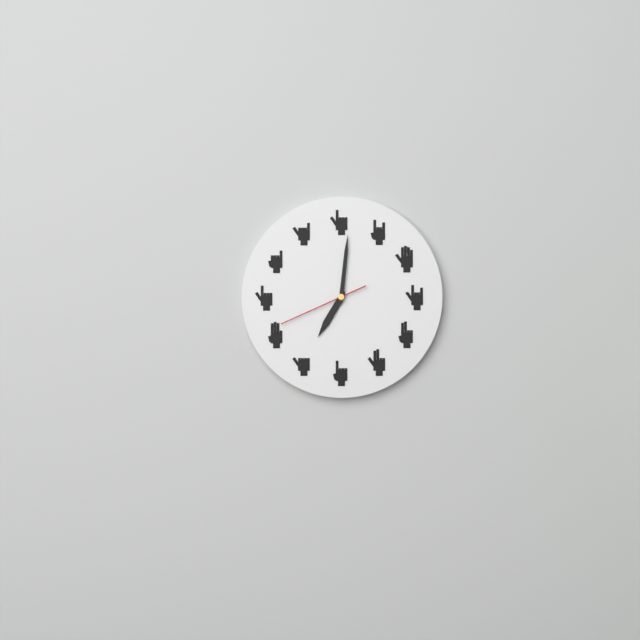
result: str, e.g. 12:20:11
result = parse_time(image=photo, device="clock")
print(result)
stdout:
7:01:41
